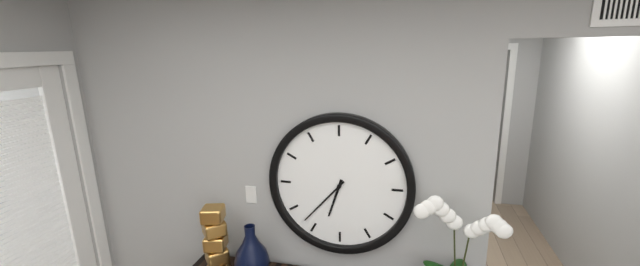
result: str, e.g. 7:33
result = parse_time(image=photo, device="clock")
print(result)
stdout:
6:37
